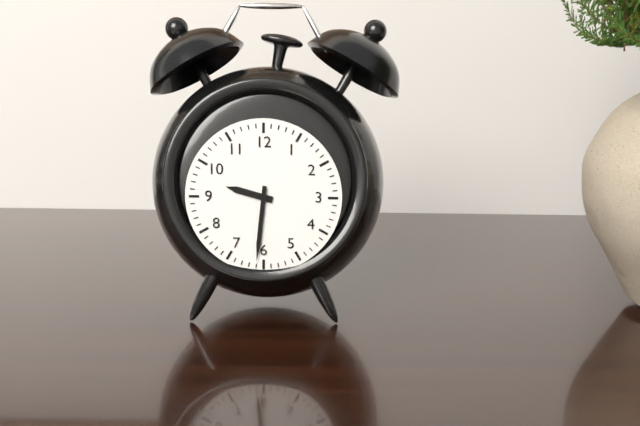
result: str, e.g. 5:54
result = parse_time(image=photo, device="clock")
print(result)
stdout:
9:31
